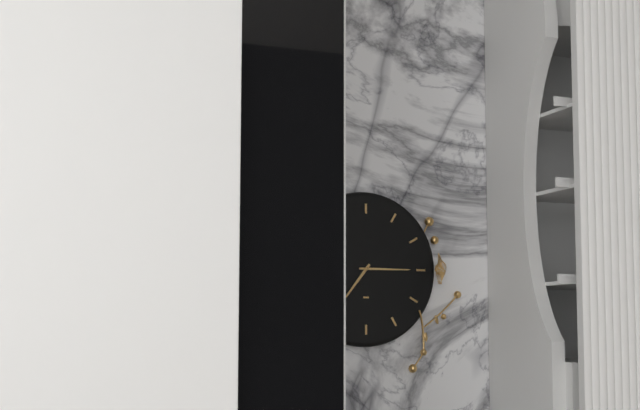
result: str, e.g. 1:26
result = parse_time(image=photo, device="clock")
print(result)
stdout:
7:15
